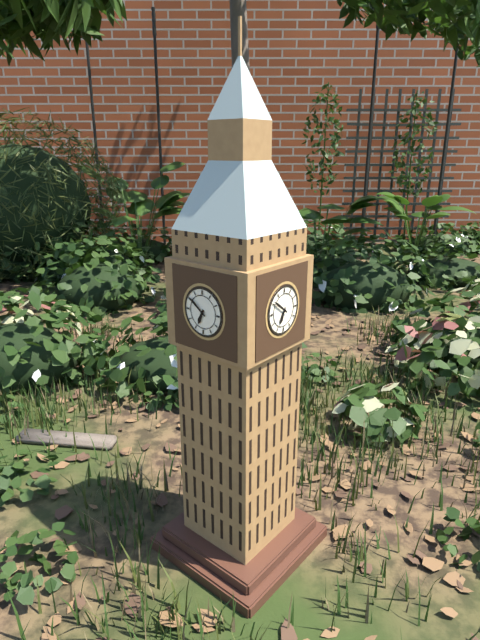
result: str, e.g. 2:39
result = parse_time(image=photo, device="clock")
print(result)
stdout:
6:51
